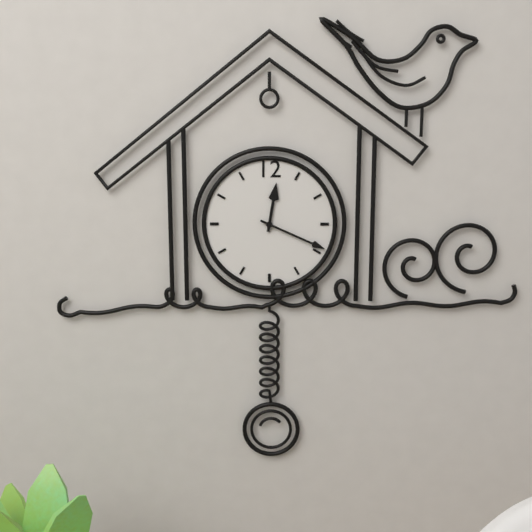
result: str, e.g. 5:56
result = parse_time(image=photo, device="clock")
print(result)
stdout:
12:19
